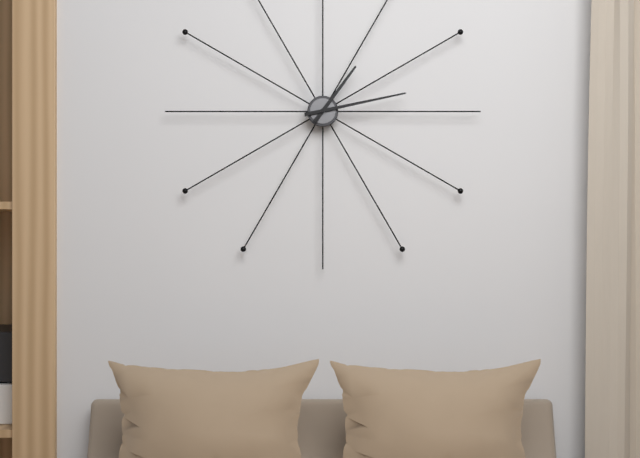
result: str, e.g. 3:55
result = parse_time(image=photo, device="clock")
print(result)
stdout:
1:13
